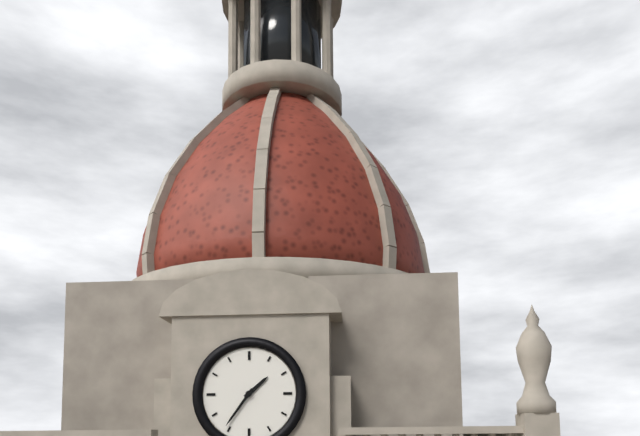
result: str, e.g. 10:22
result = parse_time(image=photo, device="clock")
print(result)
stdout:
1:36
